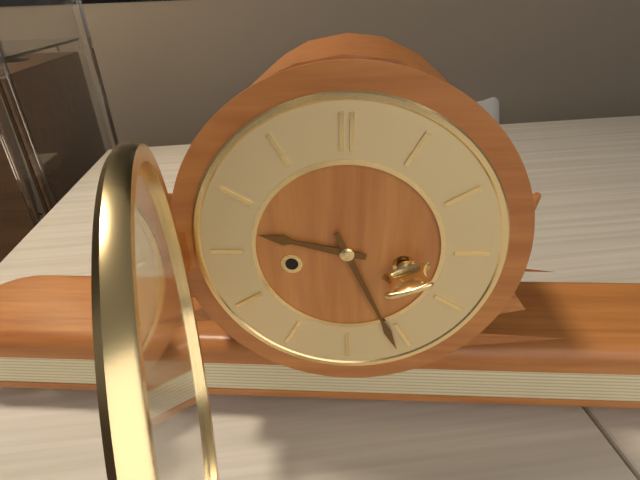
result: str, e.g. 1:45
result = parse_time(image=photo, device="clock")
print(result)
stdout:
9:26
